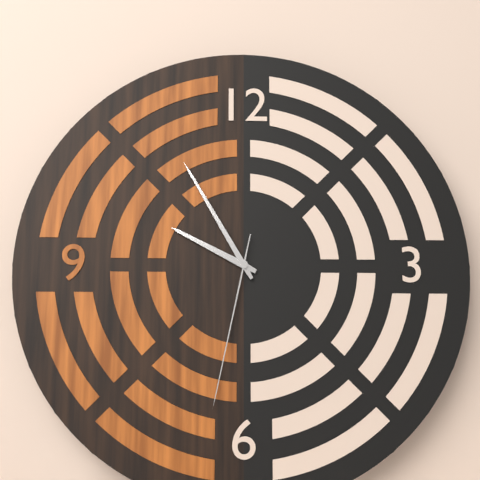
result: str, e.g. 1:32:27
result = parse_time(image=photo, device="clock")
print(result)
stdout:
9:55:32
